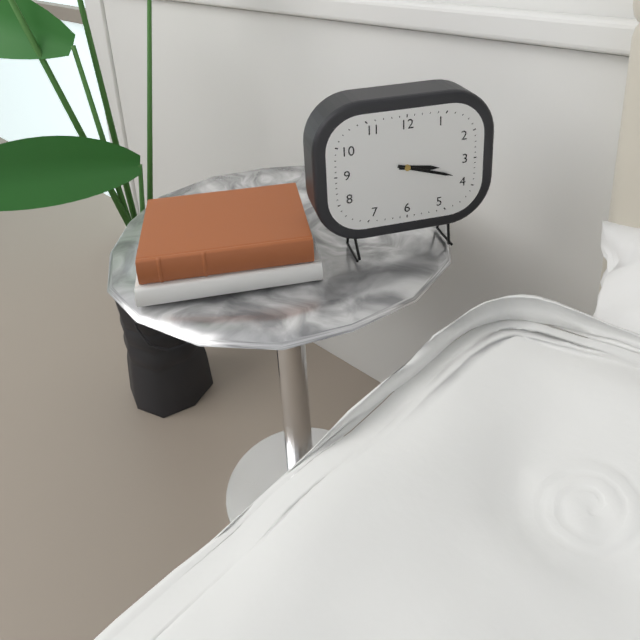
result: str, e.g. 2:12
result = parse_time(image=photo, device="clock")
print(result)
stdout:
3:18
